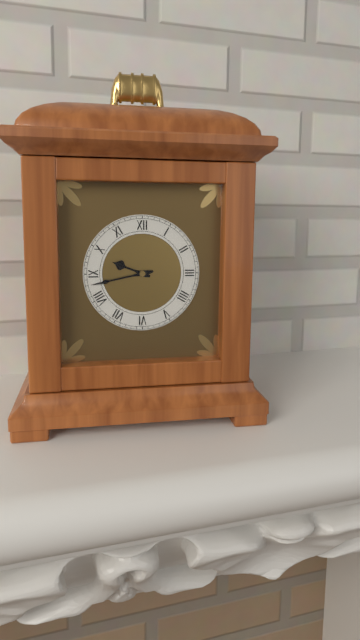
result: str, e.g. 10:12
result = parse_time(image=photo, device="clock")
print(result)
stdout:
9:43
